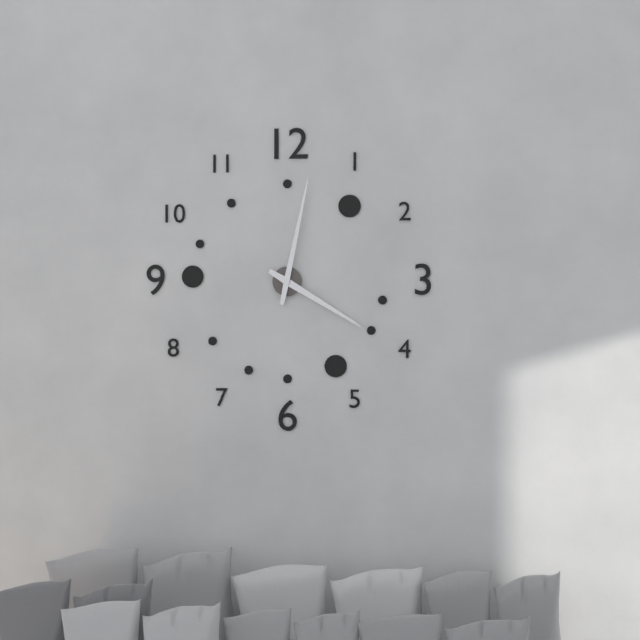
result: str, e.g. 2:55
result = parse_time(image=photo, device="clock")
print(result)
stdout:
4:02
